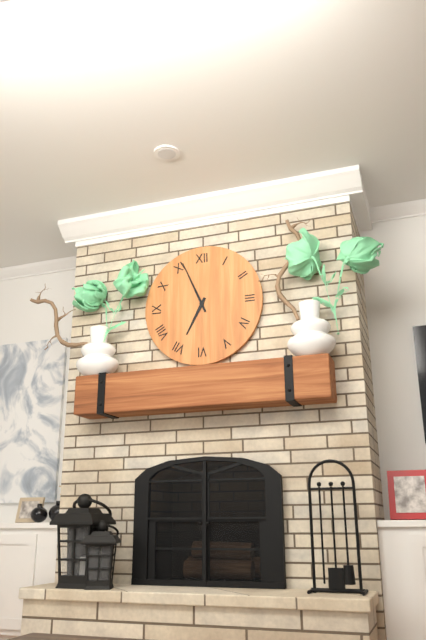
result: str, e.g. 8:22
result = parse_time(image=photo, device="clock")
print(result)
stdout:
6:56
